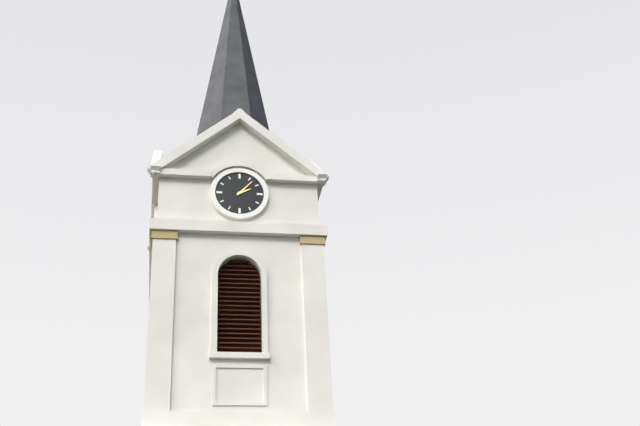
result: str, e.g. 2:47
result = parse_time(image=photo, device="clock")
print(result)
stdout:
2:07
